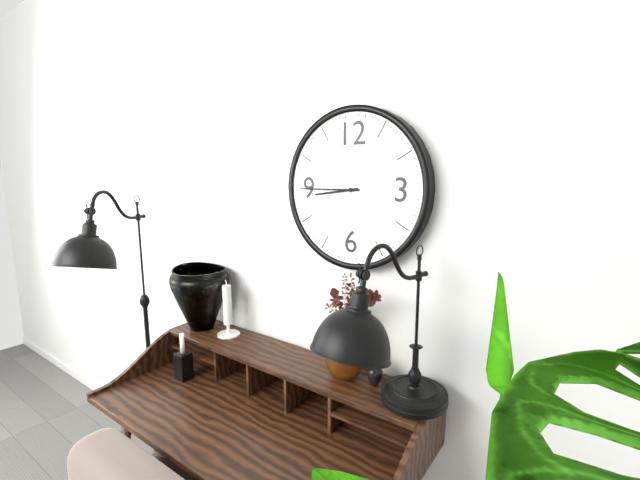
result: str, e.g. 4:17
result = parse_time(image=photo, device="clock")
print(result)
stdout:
8:45
